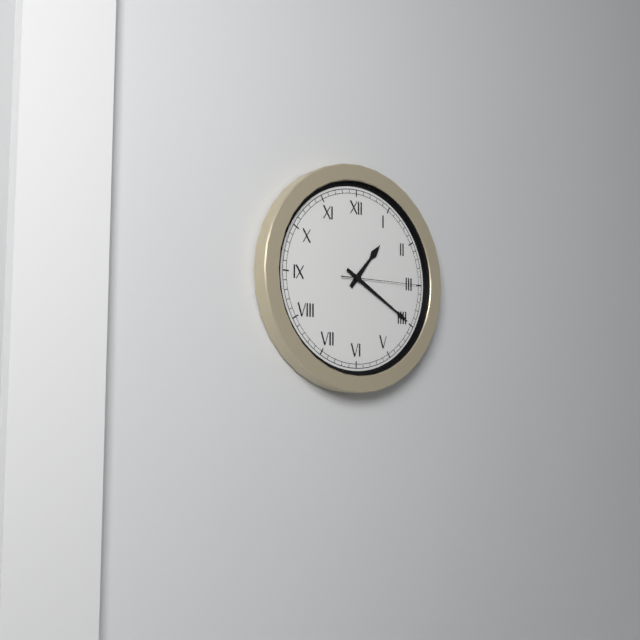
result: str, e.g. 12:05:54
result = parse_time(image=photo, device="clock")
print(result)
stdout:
1:20:15
